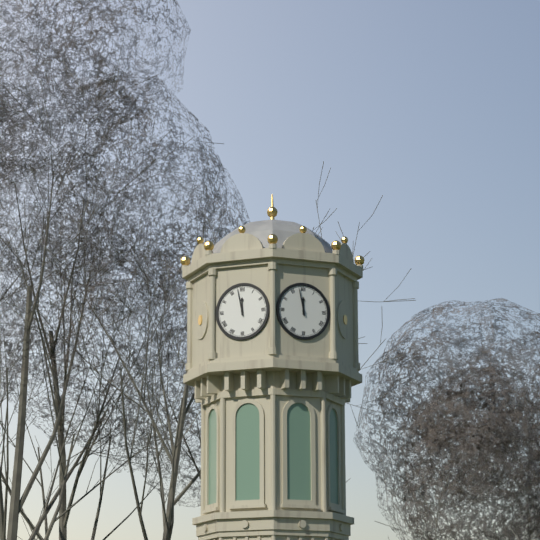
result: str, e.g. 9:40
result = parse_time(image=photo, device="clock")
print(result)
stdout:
11:58
